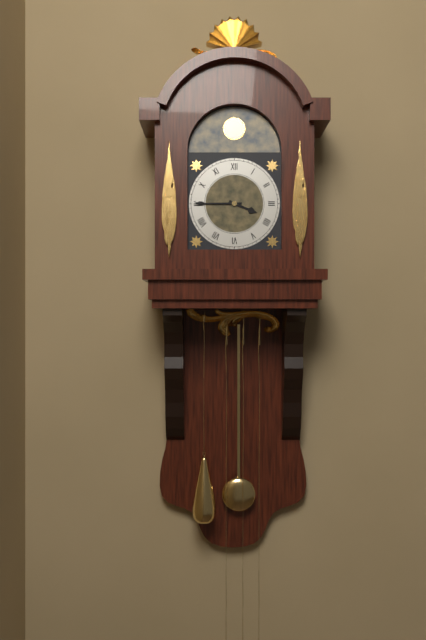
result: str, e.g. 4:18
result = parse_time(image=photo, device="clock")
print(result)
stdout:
3:45
